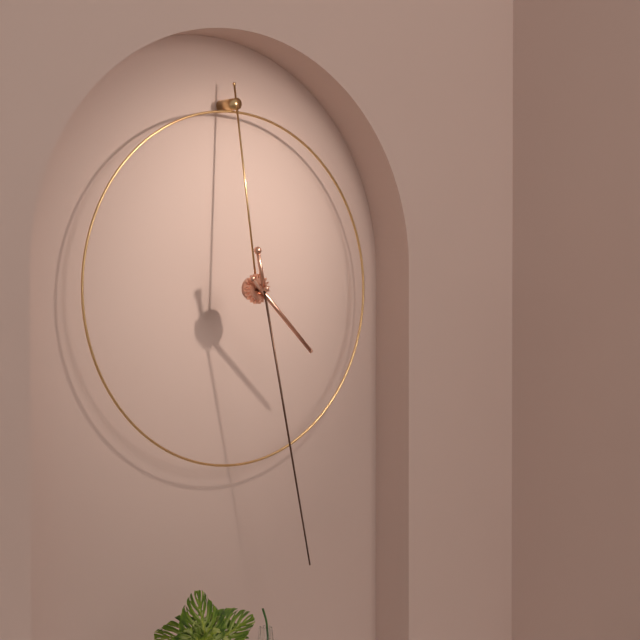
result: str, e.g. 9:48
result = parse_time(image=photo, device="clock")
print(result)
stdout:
4:28
